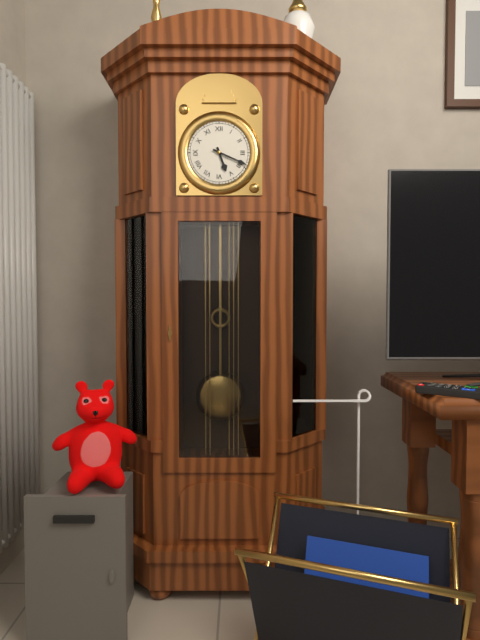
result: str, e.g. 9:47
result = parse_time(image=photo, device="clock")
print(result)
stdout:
5:19
